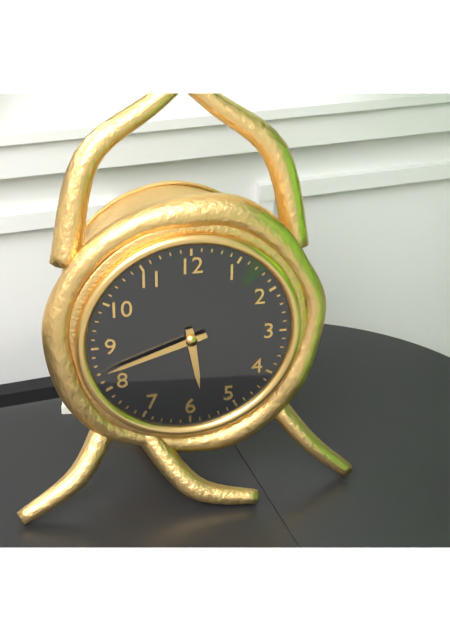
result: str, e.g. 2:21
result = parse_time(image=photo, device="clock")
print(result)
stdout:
5:42
